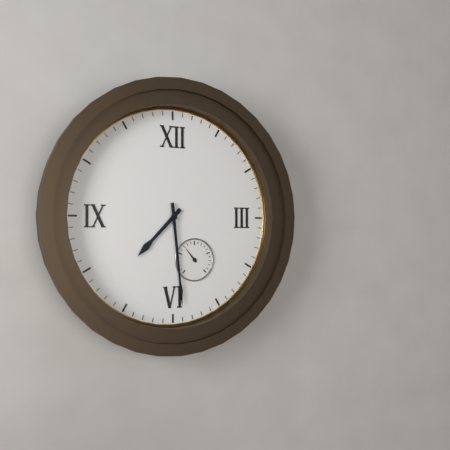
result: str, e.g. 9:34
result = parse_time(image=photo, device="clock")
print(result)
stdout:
7:29
